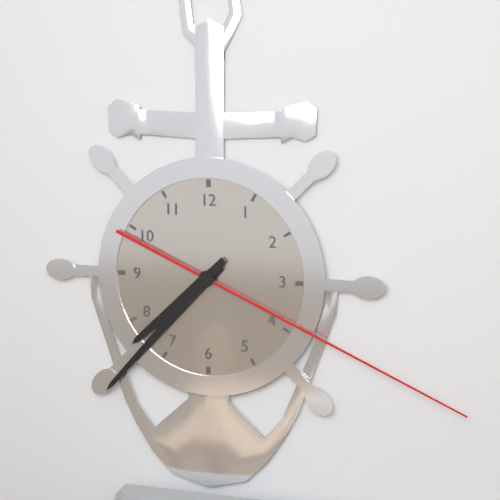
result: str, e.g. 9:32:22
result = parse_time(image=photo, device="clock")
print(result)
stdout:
7:37:19
